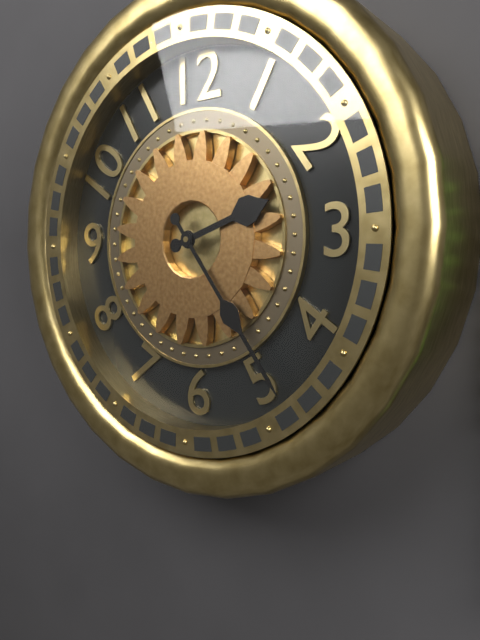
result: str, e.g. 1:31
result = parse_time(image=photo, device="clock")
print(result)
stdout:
2:24
